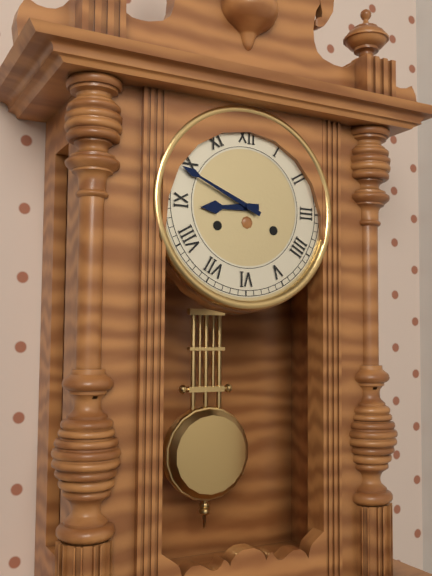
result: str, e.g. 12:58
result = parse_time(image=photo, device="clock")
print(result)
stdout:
8:49
